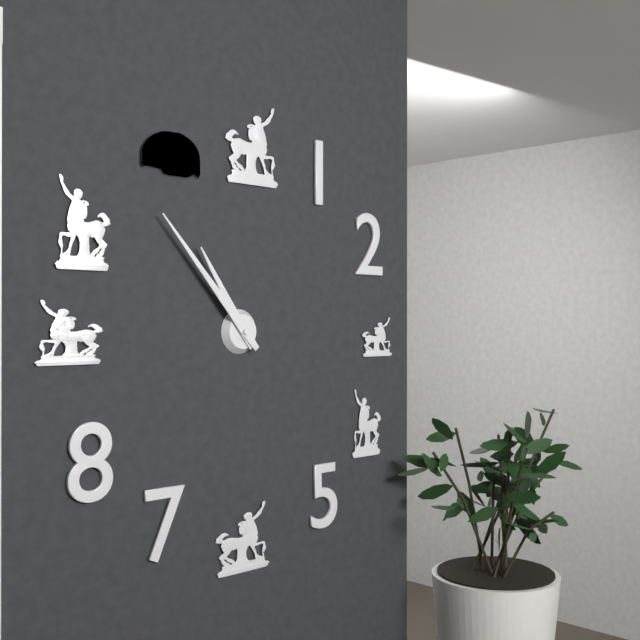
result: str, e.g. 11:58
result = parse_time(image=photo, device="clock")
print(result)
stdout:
10:53
